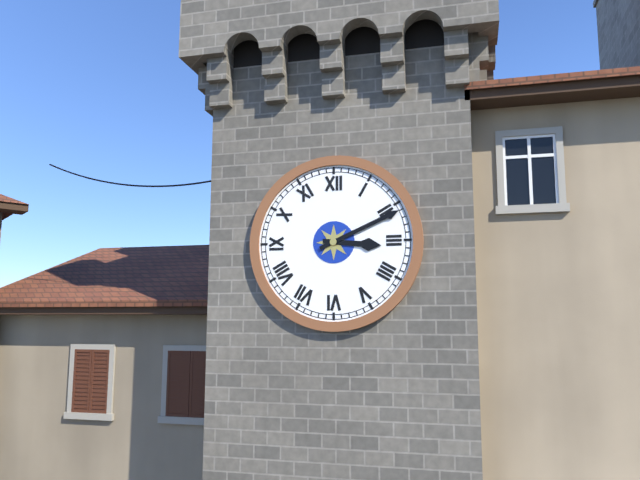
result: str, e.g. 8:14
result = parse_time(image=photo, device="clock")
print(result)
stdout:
3:11
